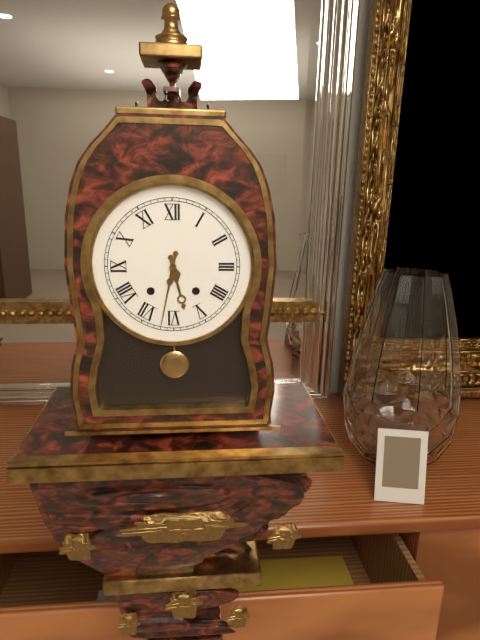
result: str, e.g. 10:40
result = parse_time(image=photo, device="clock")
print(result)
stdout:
5:32
